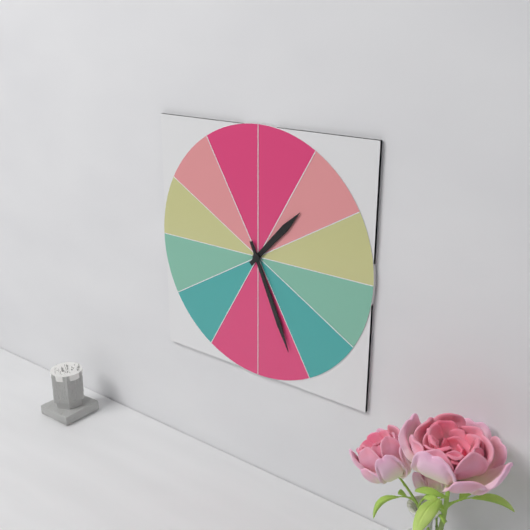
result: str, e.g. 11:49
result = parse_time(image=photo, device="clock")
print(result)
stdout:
1:26
